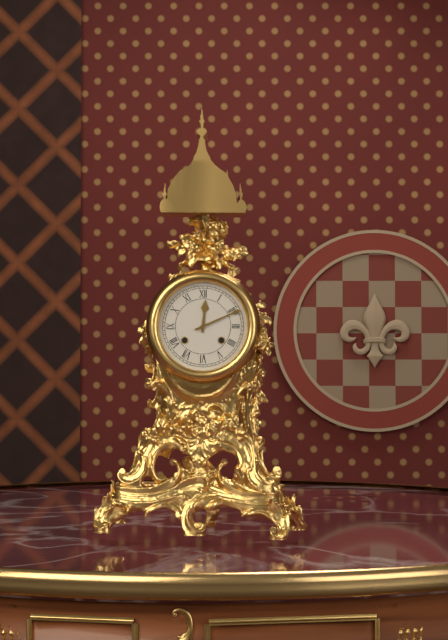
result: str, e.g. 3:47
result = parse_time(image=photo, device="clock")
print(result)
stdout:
12:11
